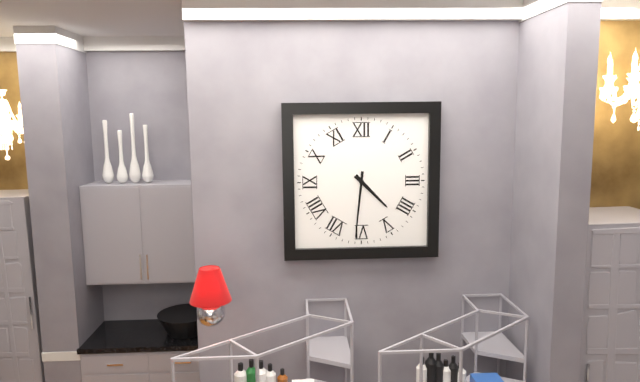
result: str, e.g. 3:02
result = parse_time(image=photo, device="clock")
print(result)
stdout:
4:31
